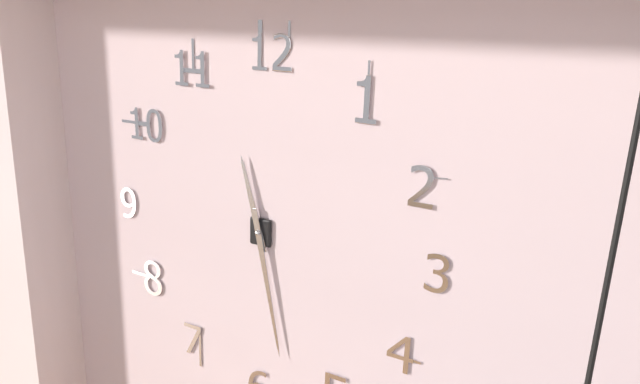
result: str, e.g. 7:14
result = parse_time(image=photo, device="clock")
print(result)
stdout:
11:28
